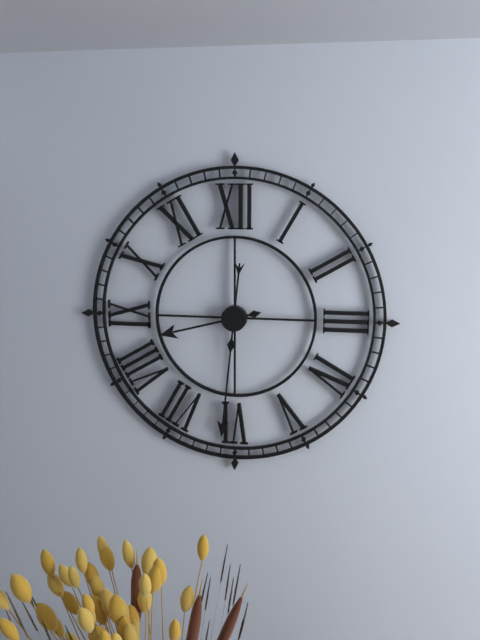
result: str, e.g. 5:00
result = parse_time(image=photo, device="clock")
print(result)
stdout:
8:31
